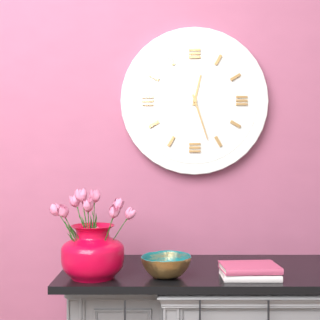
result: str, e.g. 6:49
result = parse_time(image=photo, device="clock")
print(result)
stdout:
12:27
